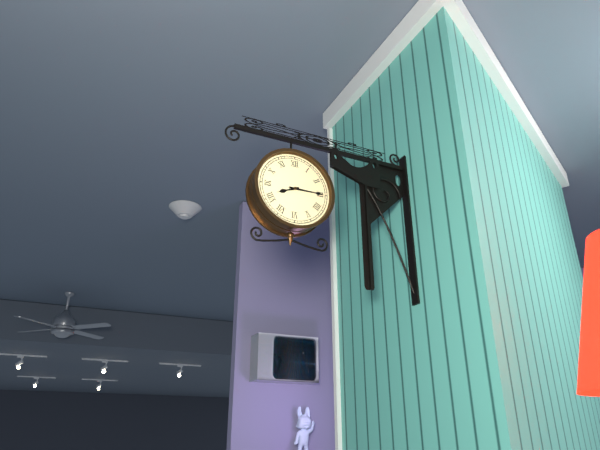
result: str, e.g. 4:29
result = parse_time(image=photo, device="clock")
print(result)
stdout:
8:15
